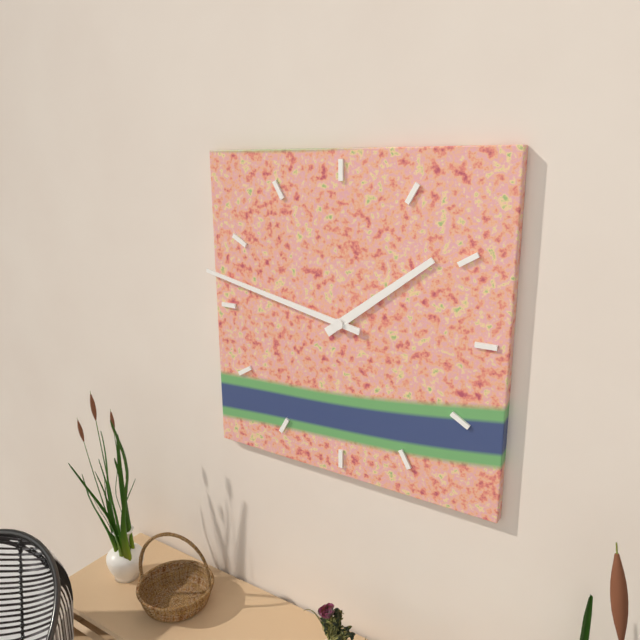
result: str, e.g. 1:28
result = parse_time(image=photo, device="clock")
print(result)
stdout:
1:47
